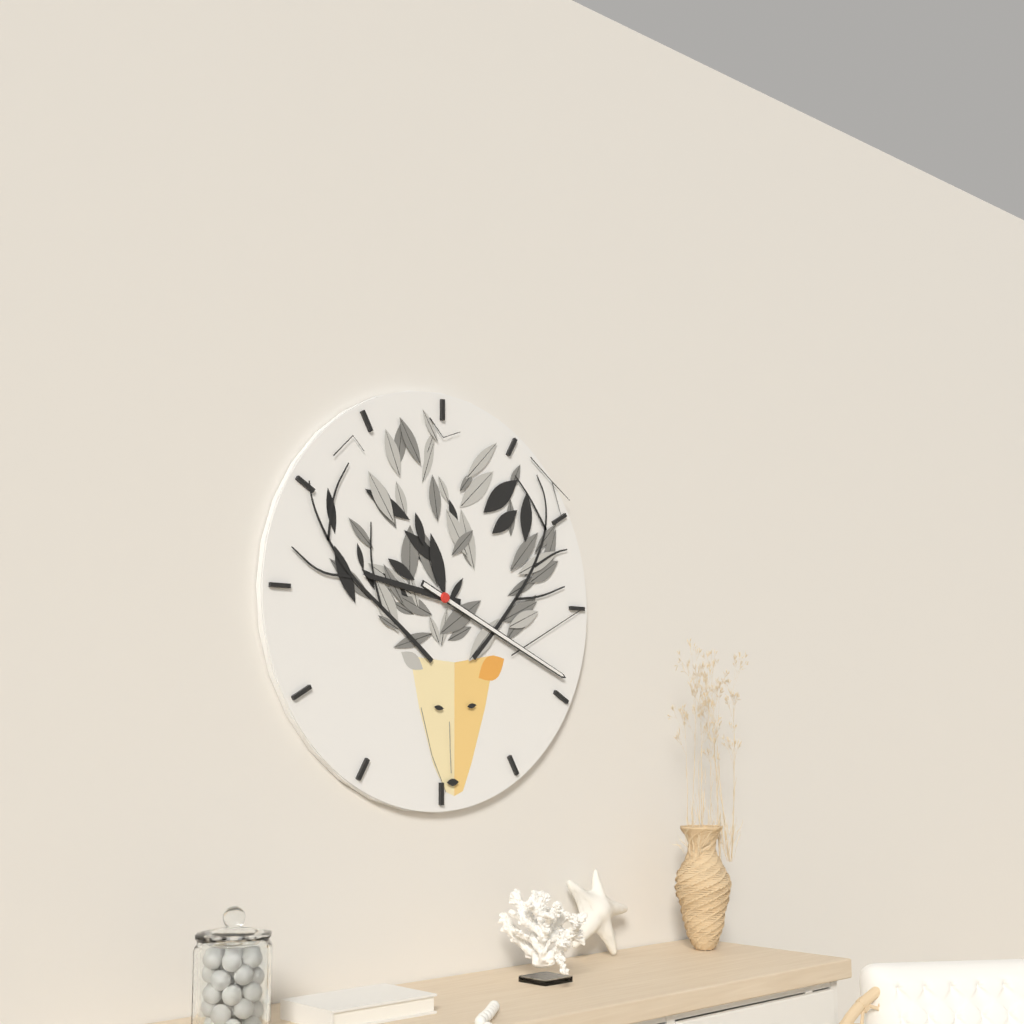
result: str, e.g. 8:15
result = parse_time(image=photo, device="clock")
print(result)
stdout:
9:19
